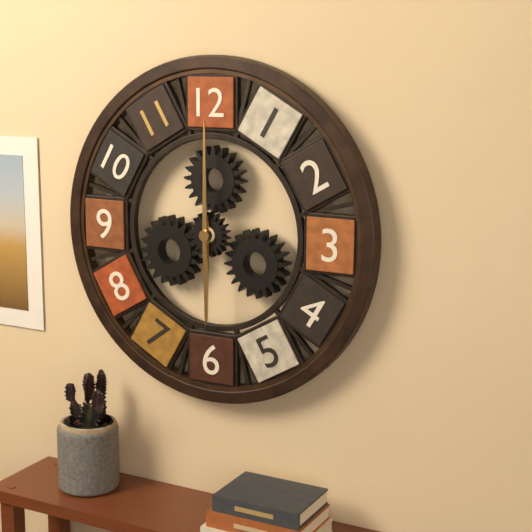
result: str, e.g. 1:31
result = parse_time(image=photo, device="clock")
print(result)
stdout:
6:00
